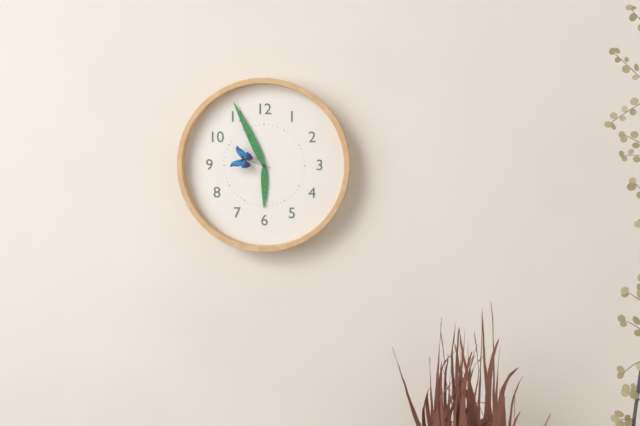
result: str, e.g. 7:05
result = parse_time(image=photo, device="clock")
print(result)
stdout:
5:56
